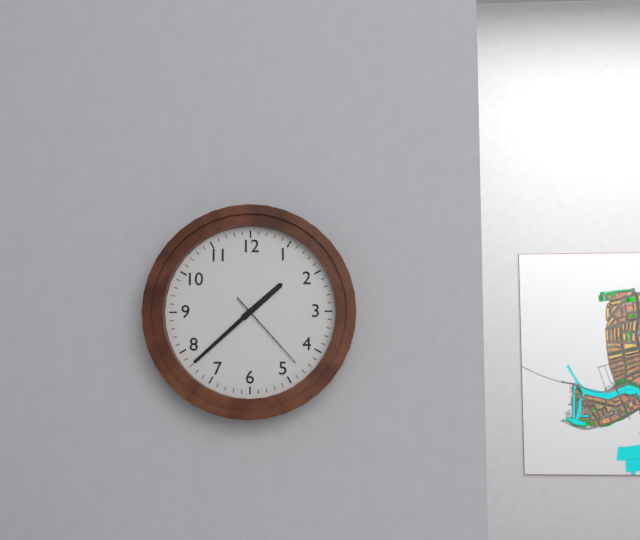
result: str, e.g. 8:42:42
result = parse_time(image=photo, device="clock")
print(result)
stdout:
1:38:23
